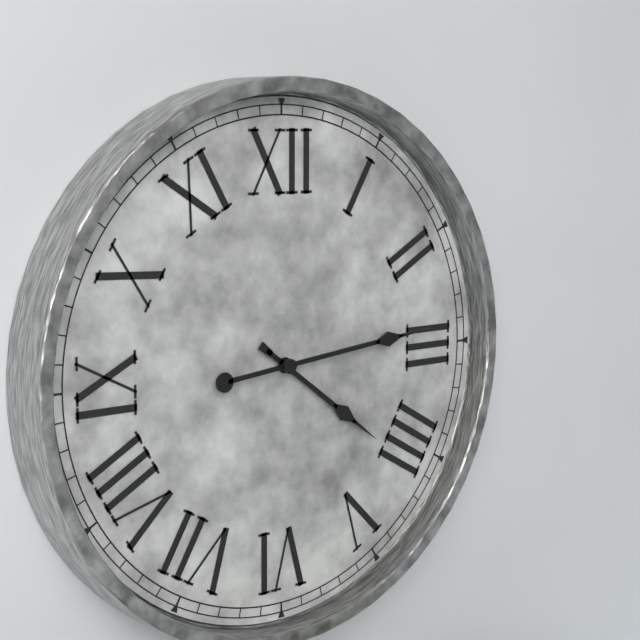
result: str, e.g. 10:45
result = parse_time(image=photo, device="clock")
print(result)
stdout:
4:14
